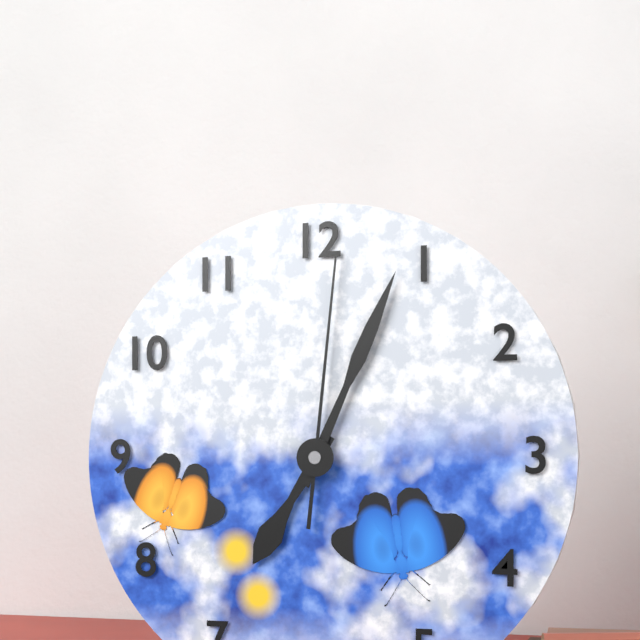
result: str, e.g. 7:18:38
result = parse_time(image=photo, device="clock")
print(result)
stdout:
7:04:01
